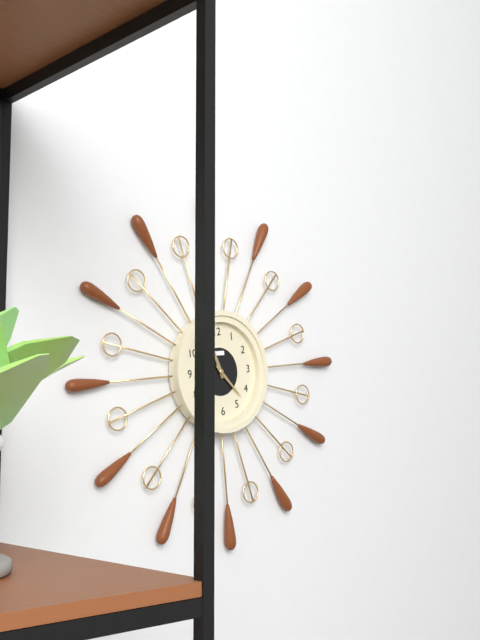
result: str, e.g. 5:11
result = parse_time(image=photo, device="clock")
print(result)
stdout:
11:23
